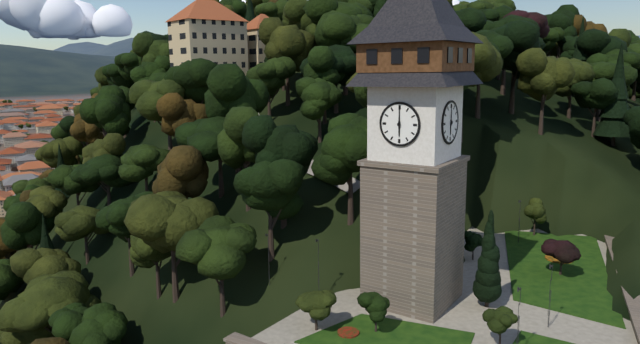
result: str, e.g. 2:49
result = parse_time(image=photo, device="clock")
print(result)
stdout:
6:00
